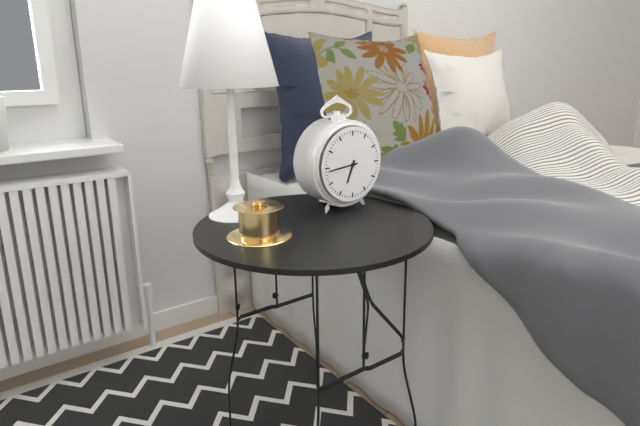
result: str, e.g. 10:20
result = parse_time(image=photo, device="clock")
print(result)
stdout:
6:44
